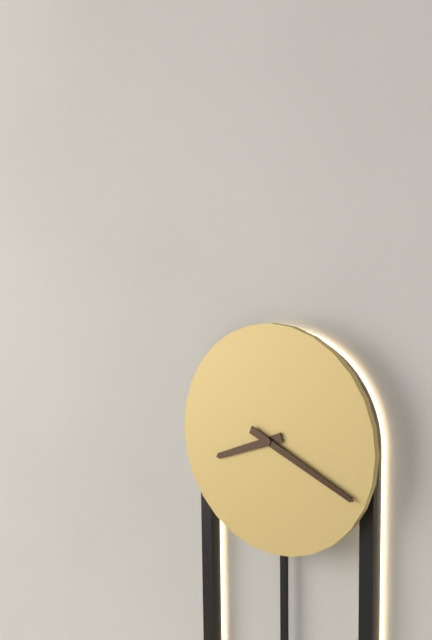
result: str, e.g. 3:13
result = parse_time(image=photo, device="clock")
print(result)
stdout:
8:19
